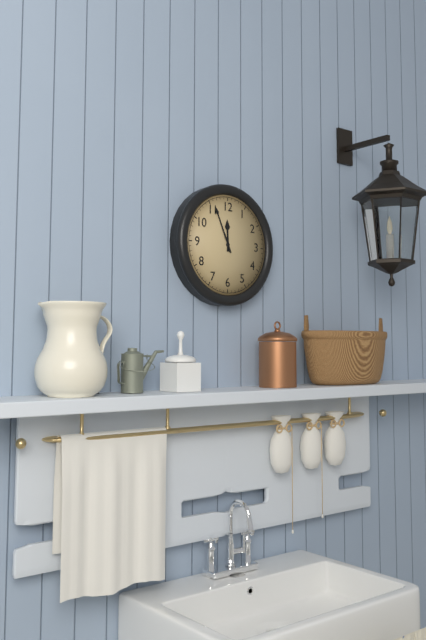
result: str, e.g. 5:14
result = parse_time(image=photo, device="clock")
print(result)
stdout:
11:56
